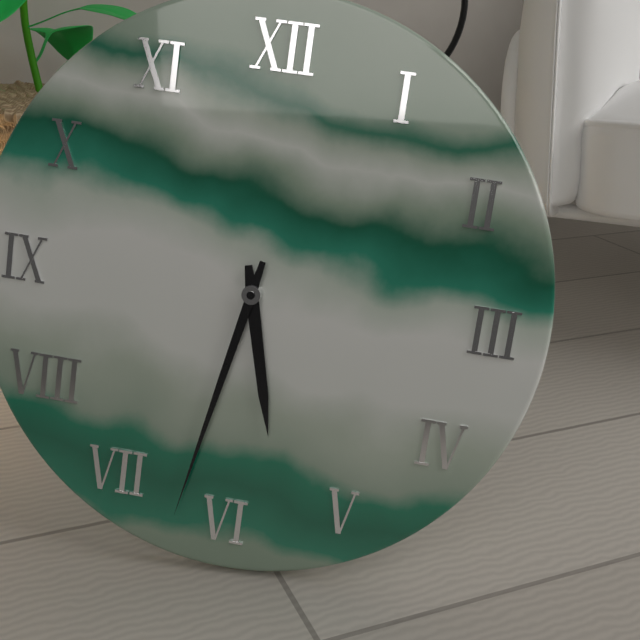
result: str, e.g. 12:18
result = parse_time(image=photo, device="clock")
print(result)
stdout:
5:32
